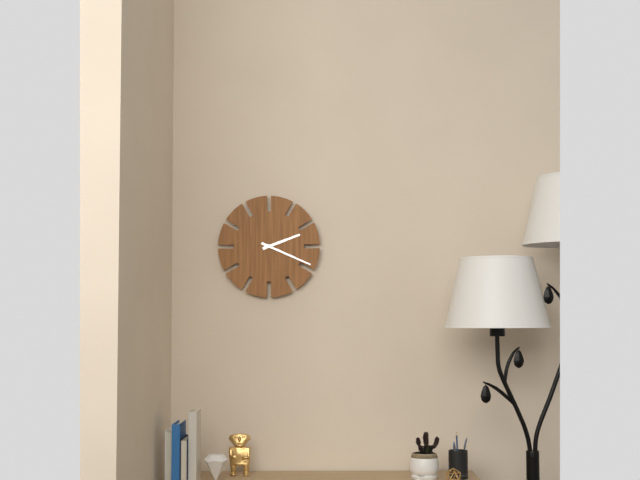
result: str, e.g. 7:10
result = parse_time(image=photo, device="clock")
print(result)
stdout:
2:19
